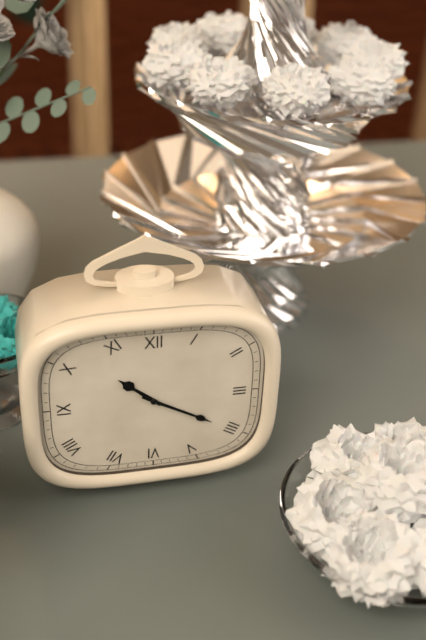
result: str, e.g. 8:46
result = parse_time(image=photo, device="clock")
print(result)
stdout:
10:20
